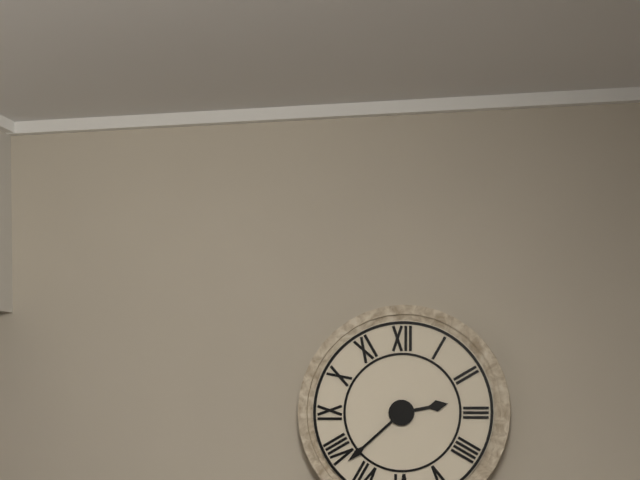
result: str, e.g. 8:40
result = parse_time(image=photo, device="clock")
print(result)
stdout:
2:38
